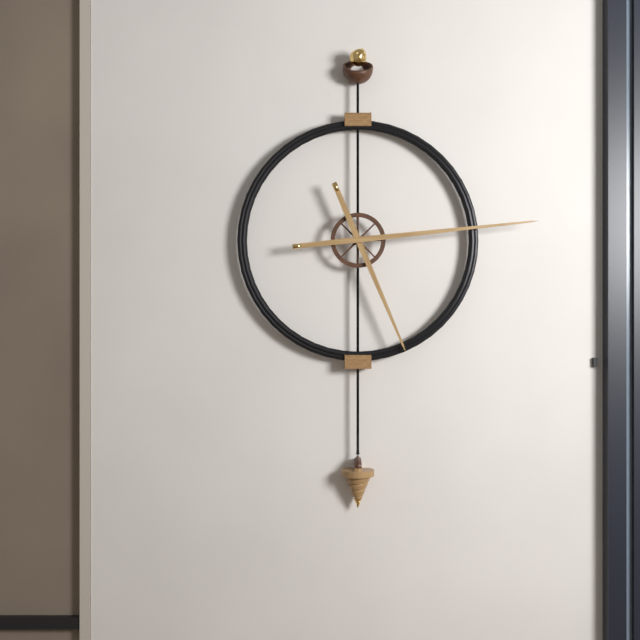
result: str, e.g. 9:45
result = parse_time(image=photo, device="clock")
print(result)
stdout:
5:14
